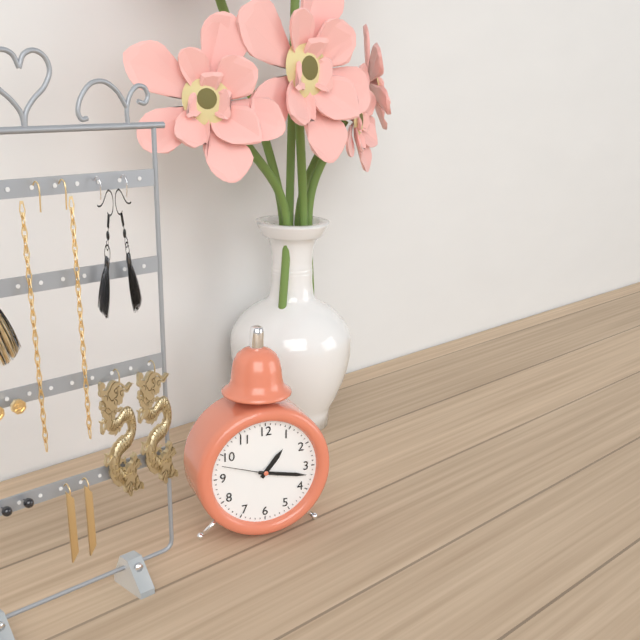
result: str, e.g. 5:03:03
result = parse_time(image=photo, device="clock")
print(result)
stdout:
1:17:48
